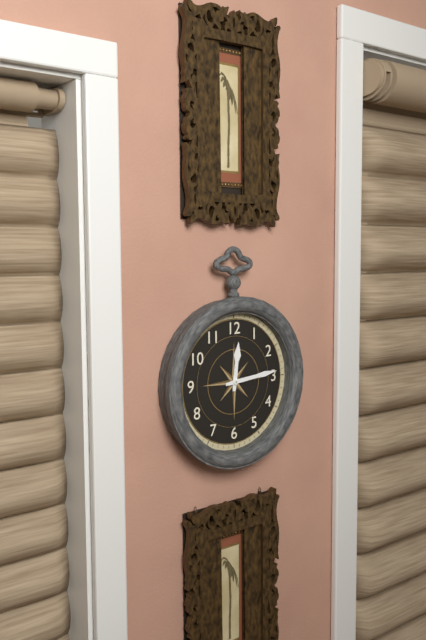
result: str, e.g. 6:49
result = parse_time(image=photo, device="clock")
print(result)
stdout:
12:14
